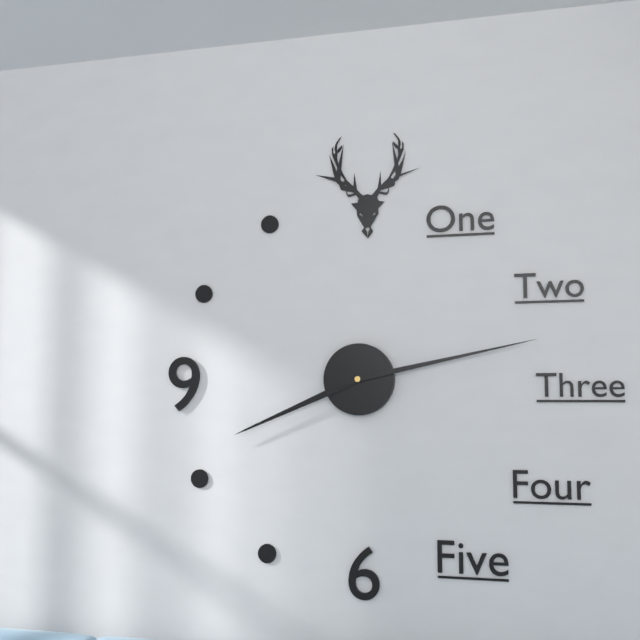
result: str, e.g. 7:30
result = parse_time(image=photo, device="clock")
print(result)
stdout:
8:13
